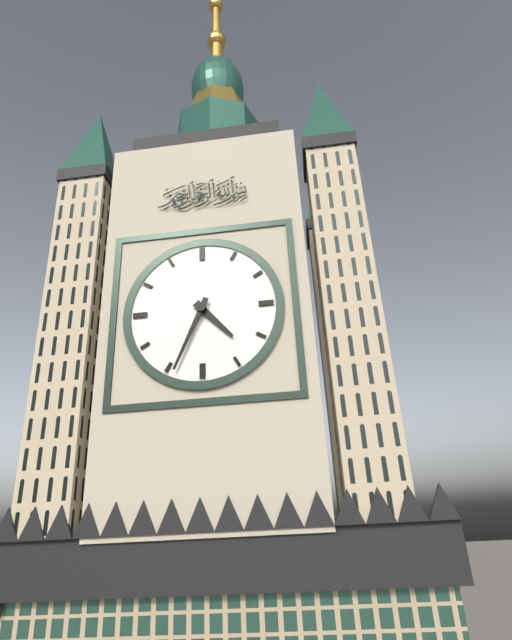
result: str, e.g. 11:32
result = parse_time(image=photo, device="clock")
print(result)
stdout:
4:34
